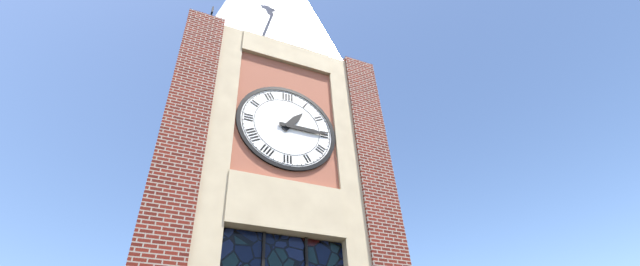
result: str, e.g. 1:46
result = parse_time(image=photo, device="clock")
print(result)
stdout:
1:15
